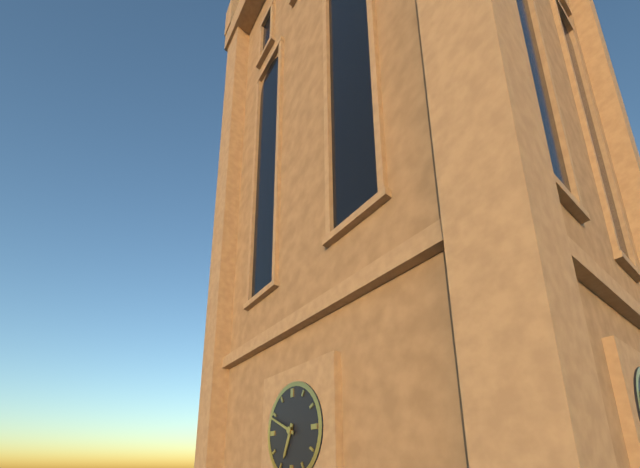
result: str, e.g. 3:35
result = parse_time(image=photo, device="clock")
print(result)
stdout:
6:49
